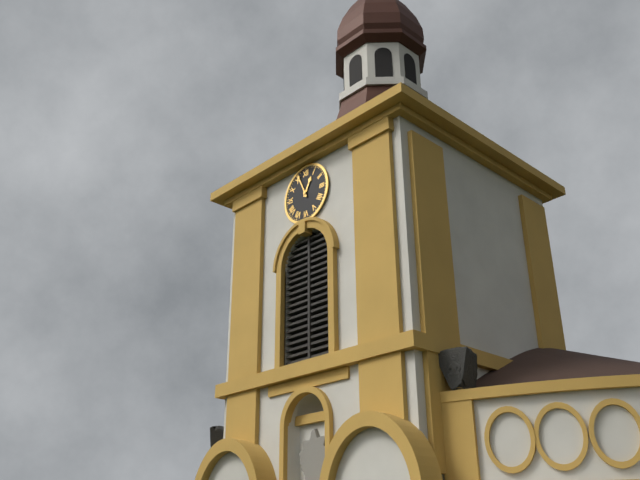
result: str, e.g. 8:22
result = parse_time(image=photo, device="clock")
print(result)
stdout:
12:56
